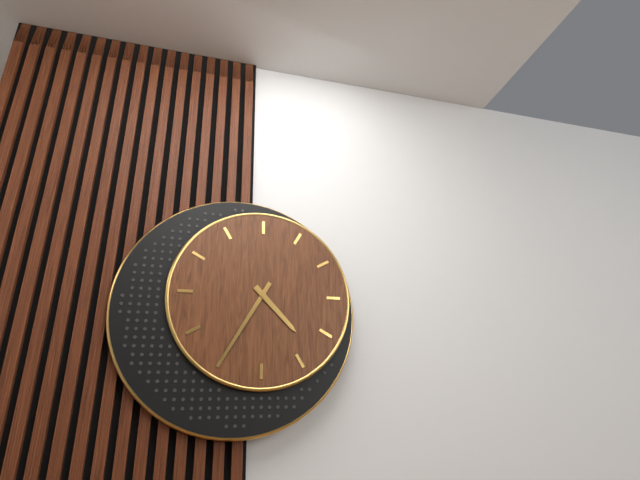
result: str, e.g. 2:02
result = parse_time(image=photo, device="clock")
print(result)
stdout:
4:35
